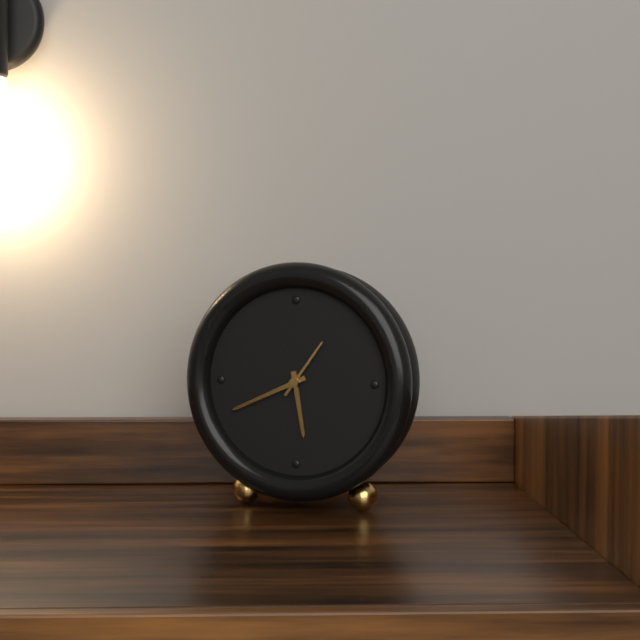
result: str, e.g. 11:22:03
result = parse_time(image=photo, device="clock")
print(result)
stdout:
5:41:06
